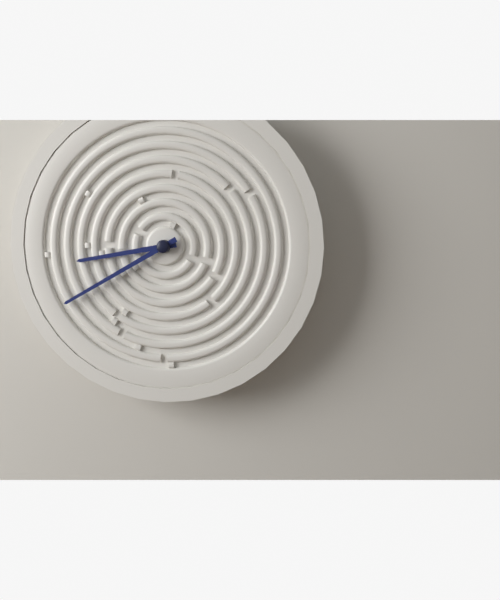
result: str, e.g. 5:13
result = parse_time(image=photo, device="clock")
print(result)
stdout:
8:40
